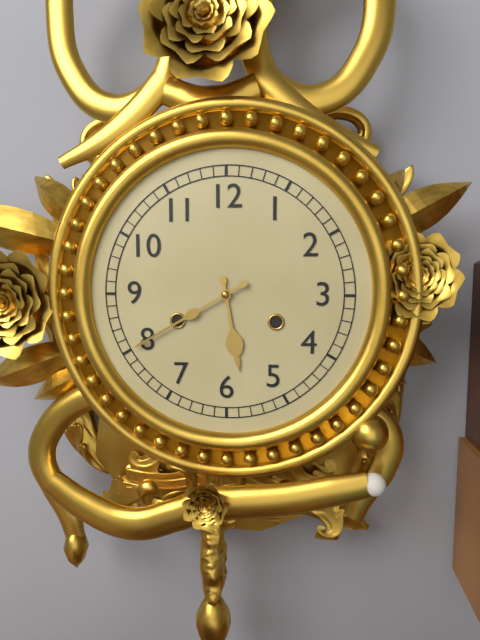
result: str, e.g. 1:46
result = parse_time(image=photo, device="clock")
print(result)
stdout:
5:40
